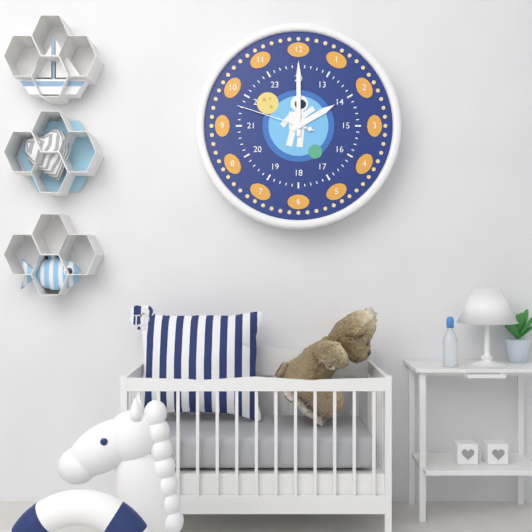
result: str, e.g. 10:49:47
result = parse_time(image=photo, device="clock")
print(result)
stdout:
2:00:48
